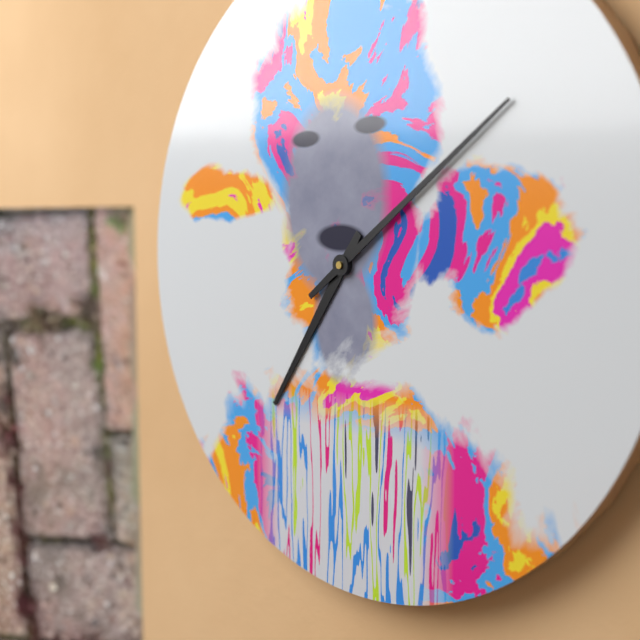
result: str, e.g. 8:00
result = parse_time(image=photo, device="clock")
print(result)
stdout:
7:09
